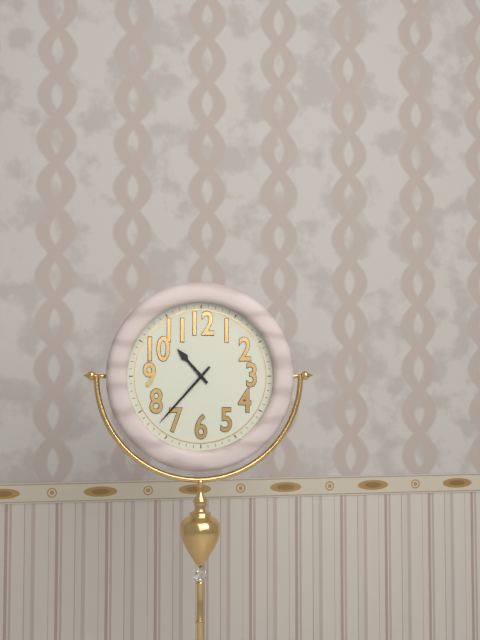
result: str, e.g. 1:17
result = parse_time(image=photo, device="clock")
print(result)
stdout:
10:37
